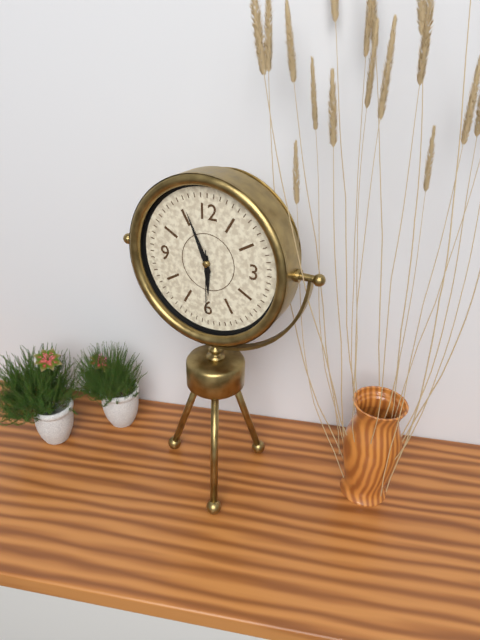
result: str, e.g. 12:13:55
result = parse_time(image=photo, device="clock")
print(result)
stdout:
5:56:30
